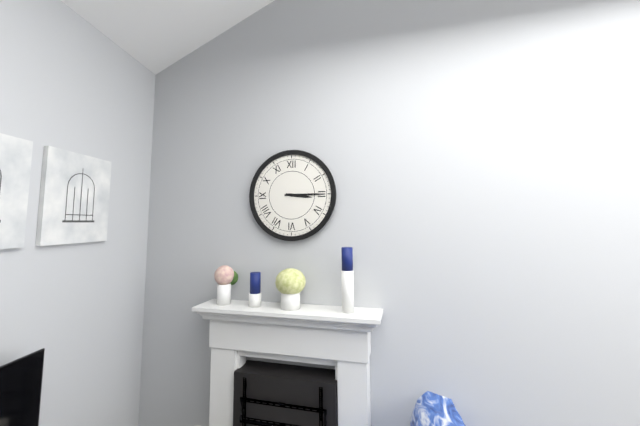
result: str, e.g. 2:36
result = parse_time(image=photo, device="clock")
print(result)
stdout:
3:15
